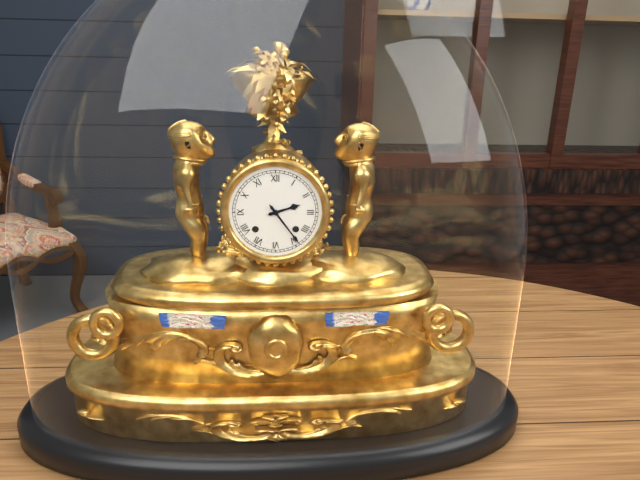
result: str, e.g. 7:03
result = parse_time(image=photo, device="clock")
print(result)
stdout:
2:24
